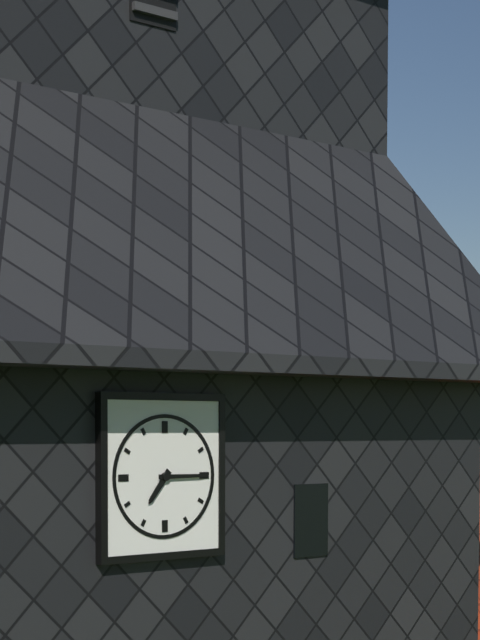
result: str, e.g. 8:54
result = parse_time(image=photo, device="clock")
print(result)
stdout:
7:15
